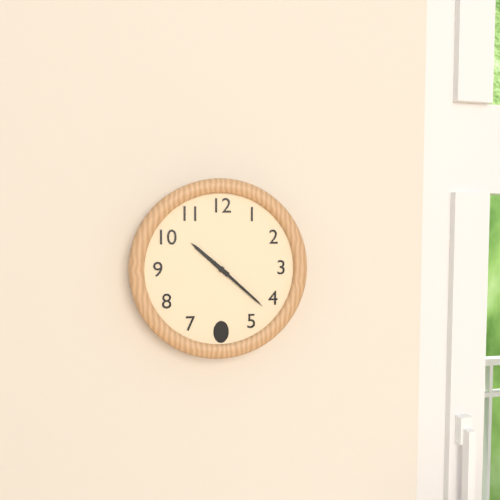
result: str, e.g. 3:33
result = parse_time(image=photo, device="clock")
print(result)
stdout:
10:22
